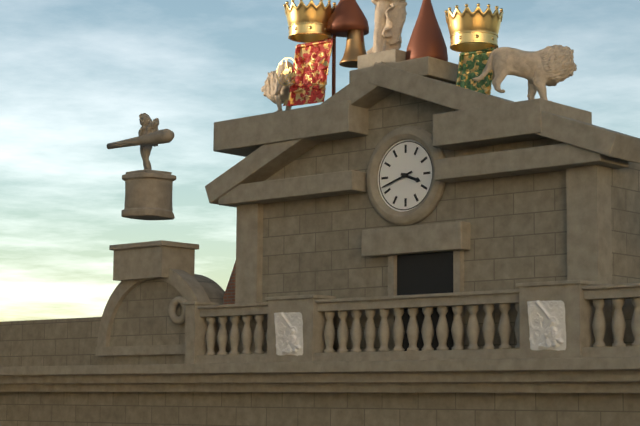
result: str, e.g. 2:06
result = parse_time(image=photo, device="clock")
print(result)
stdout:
3:42
